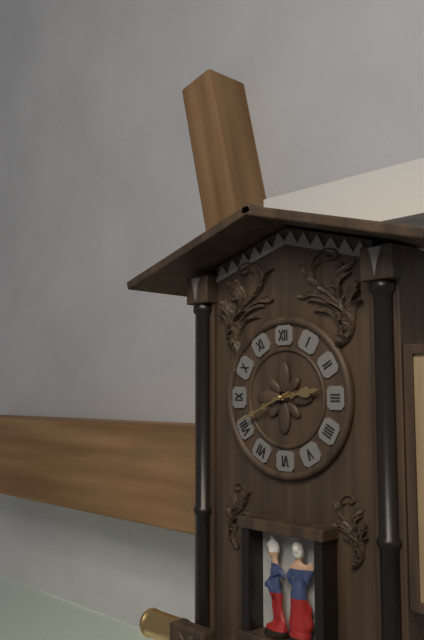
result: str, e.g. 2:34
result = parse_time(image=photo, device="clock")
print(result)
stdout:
2:41
